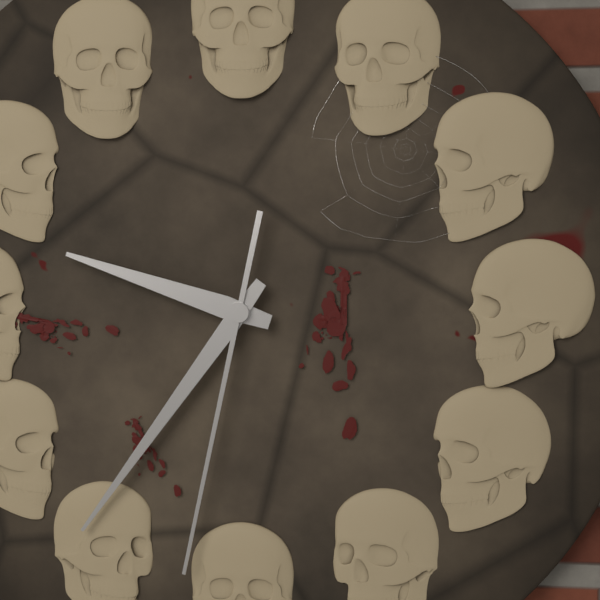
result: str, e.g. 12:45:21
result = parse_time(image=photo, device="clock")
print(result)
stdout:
9:36:32
